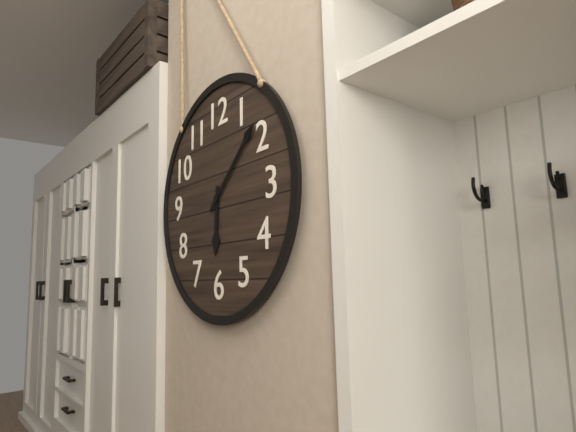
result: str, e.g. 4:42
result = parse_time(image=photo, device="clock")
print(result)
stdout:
6:08
